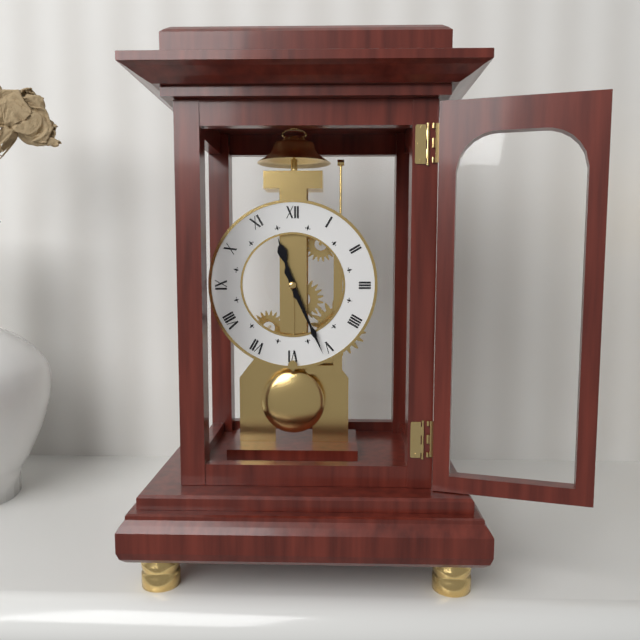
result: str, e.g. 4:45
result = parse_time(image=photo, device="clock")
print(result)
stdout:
11:26
